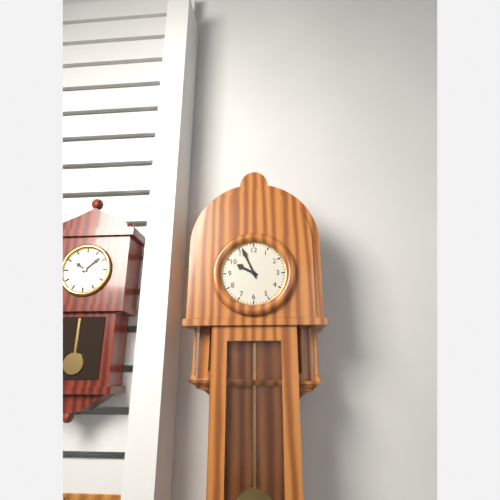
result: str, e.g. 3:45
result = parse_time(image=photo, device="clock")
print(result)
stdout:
9:56
